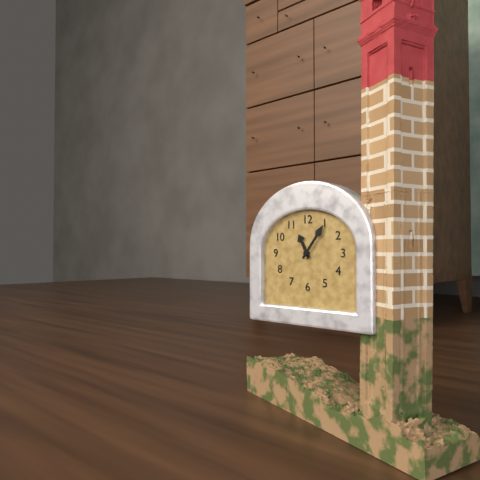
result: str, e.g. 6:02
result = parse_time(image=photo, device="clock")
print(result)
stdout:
11:06
